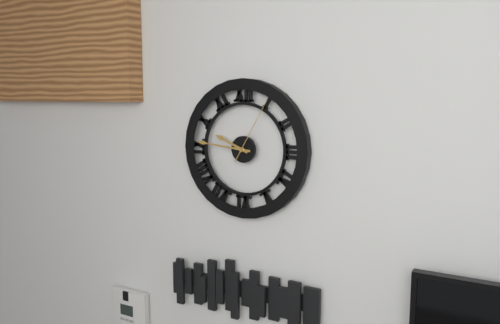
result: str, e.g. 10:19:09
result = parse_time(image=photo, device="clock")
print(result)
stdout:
9:46:05
